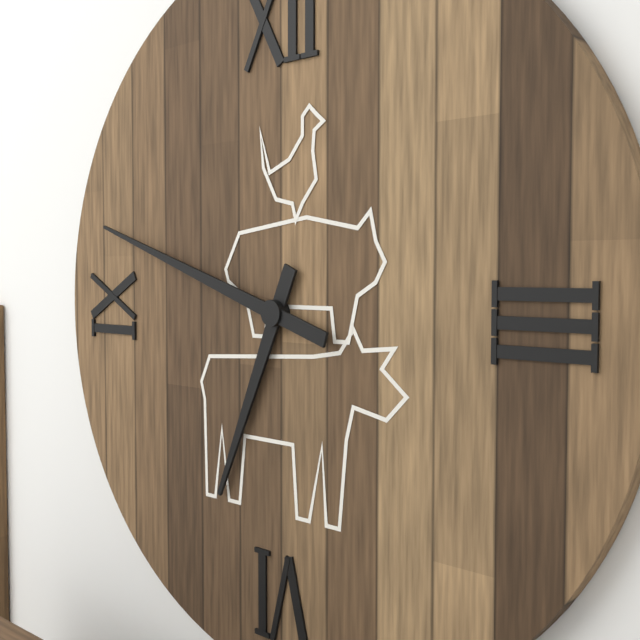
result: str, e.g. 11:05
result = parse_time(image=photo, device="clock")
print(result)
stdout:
6:48
